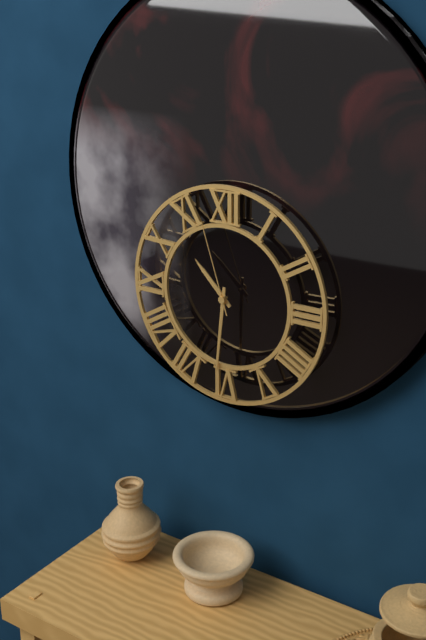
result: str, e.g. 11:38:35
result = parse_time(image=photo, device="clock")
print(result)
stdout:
10:31:57
